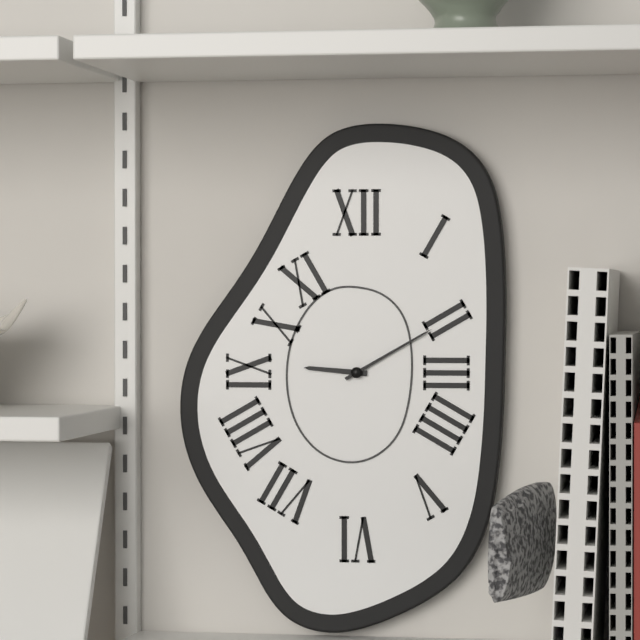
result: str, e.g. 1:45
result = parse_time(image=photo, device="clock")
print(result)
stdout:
9:10
